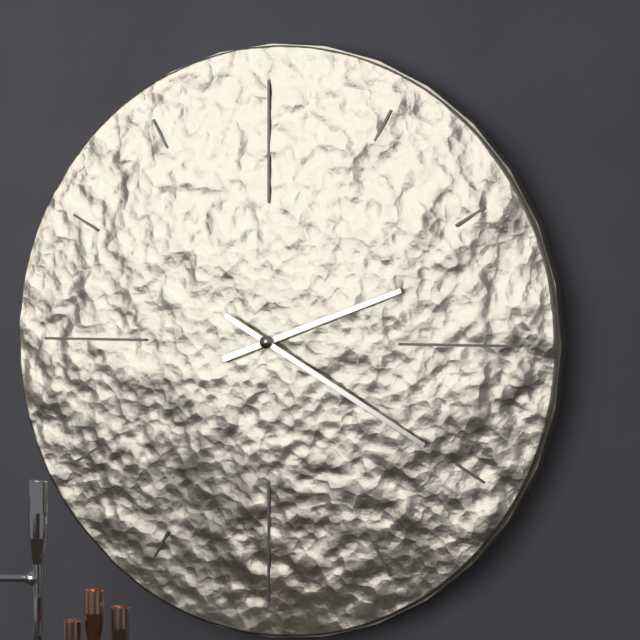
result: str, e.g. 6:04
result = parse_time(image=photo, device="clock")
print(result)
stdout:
2:20
